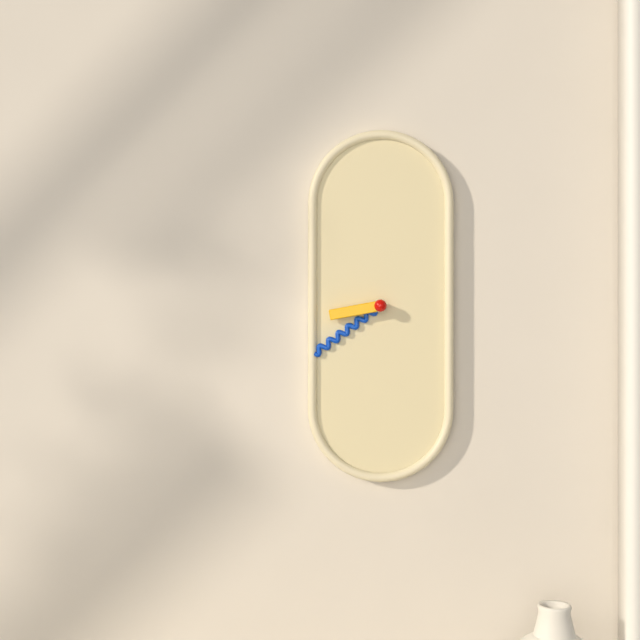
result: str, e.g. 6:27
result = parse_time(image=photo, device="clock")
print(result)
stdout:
8:39
